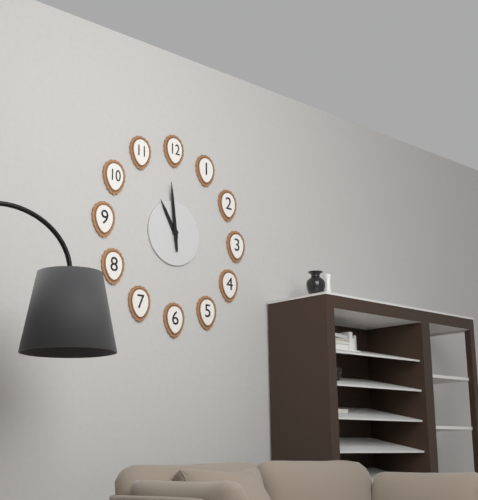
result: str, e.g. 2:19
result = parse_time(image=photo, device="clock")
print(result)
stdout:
10:59
